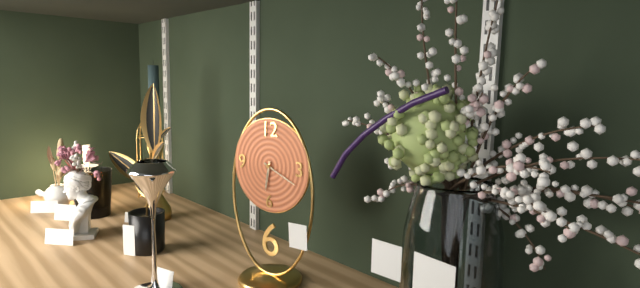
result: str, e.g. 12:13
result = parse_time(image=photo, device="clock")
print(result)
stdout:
6:19
